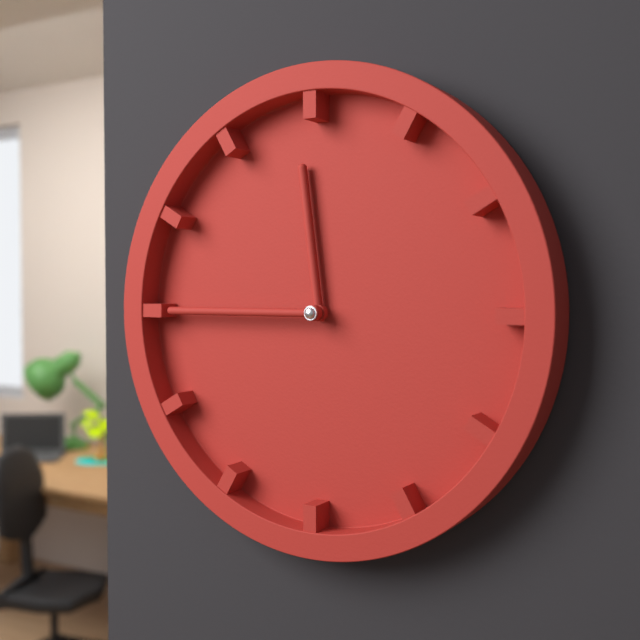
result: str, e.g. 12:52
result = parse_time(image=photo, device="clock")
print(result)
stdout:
11:45
